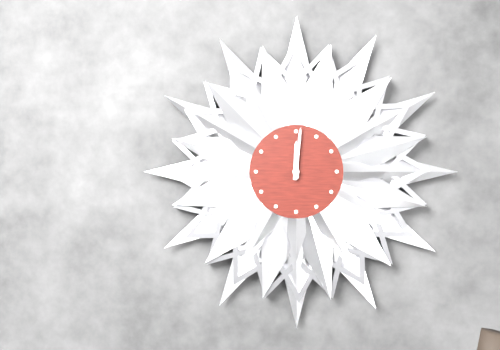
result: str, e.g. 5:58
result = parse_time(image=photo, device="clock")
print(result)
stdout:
12:01
